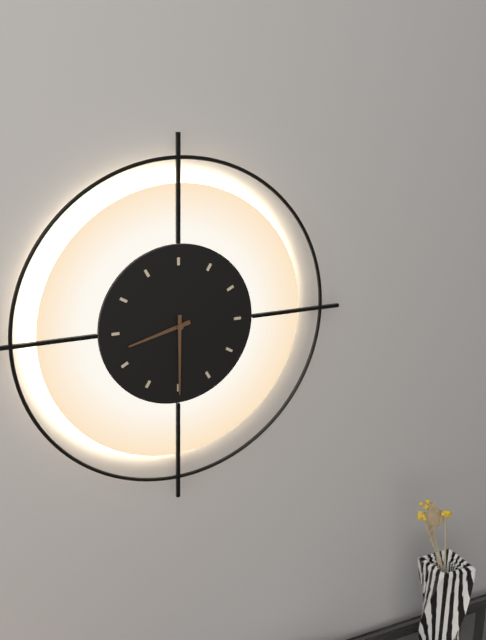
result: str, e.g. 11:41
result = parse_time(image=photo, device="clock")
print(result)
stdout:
8:30
